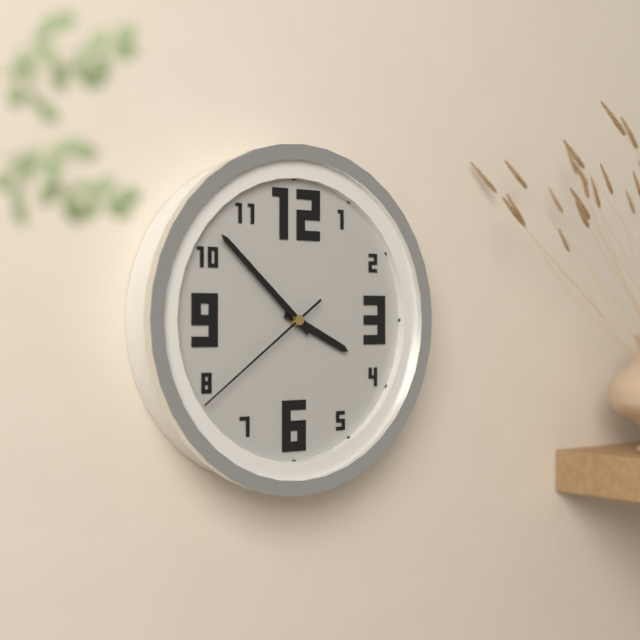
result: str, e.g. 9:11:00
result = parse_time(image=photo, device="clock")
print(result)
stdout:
3:52:39
